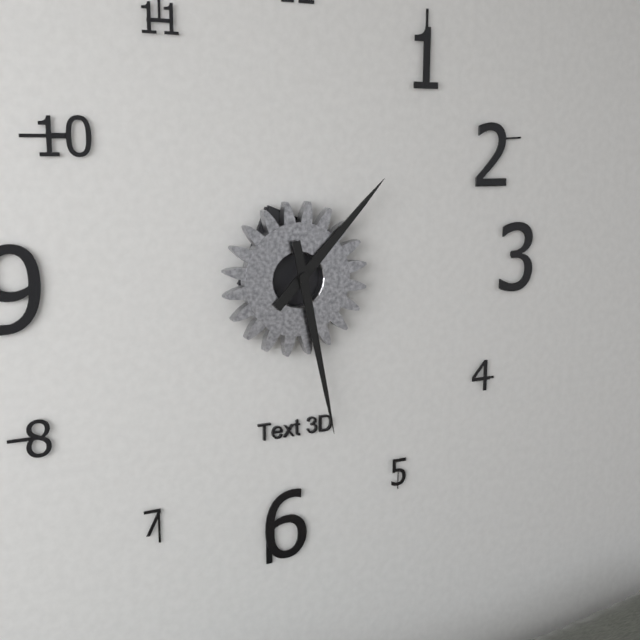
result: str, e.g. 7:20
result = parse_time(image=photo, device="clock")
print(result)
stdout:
1:28
